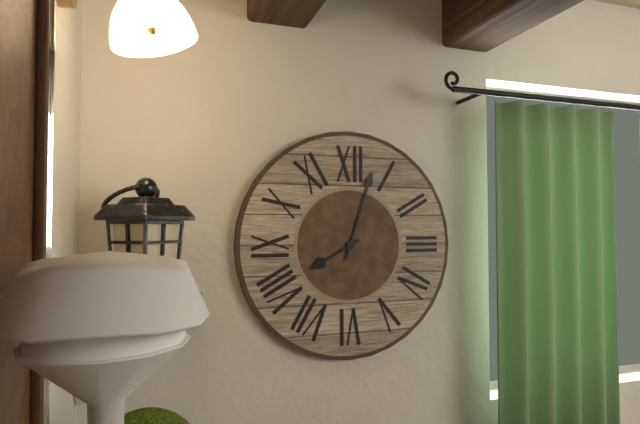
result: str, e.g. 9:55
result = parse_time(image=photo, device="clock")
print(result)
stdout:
8:03
